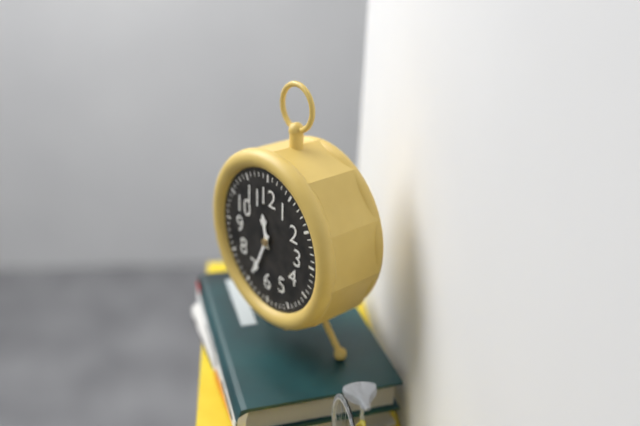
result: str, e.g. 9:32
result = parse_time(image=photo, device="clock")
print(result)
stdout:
11:34
